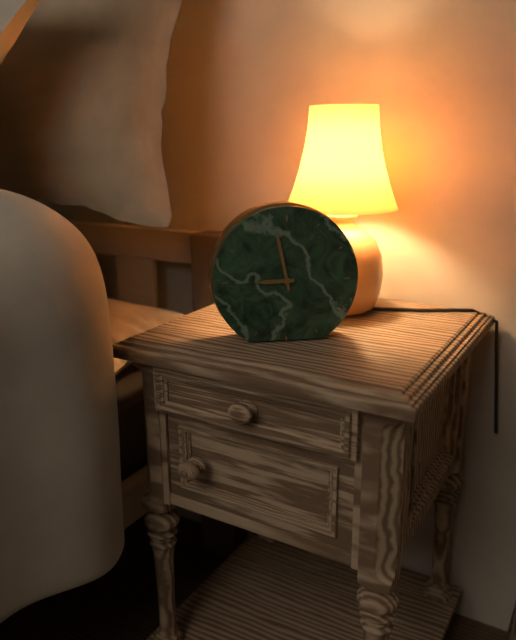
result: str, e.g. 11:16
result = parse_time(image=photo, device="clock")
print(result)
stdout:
8:58
